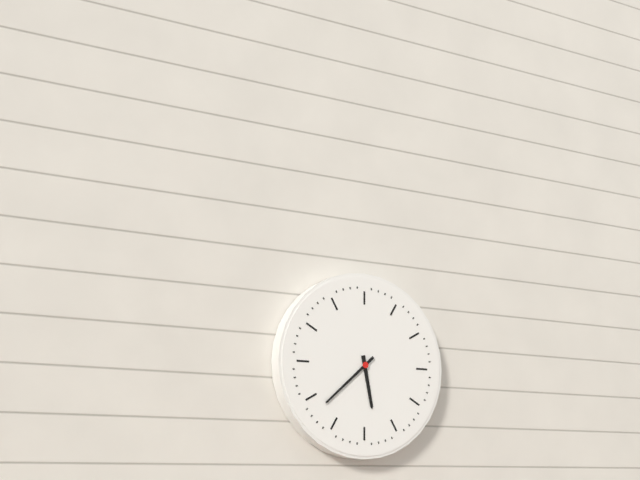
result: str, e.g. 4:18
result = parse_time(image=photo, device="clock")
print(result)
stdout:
5:38
